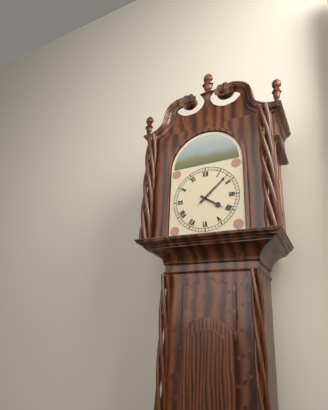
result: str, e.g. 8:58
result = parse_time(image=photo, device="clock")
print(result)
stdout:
4:08
